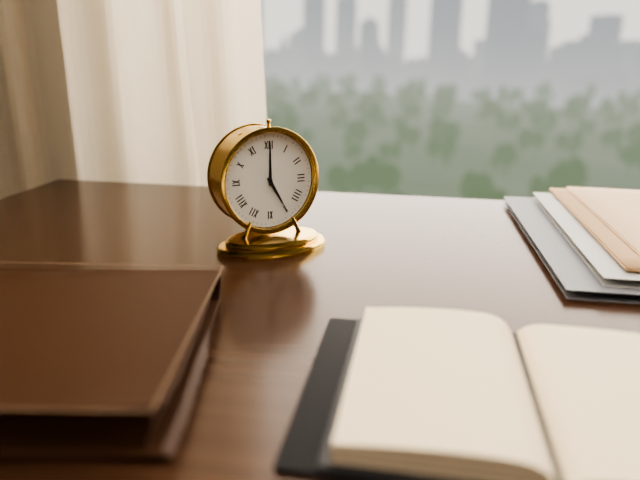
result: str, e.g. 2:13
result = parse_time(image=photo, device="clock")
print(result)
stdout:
5:00
